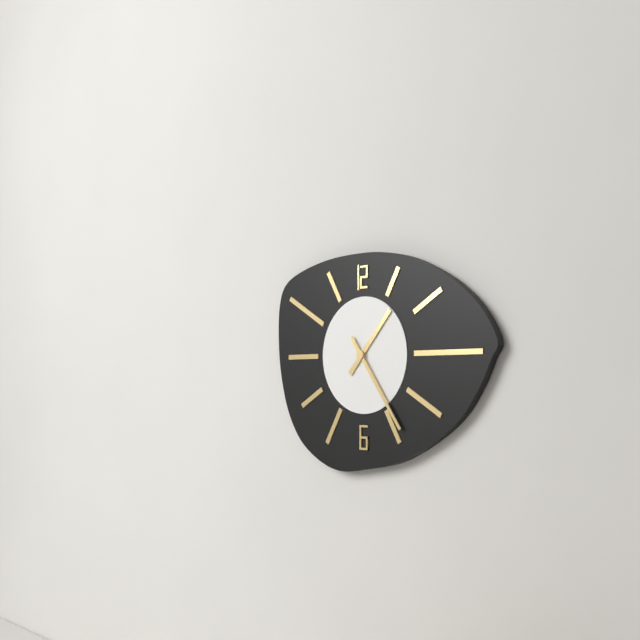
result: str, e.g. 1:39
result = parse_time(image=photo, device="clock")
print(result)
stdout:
1:24
